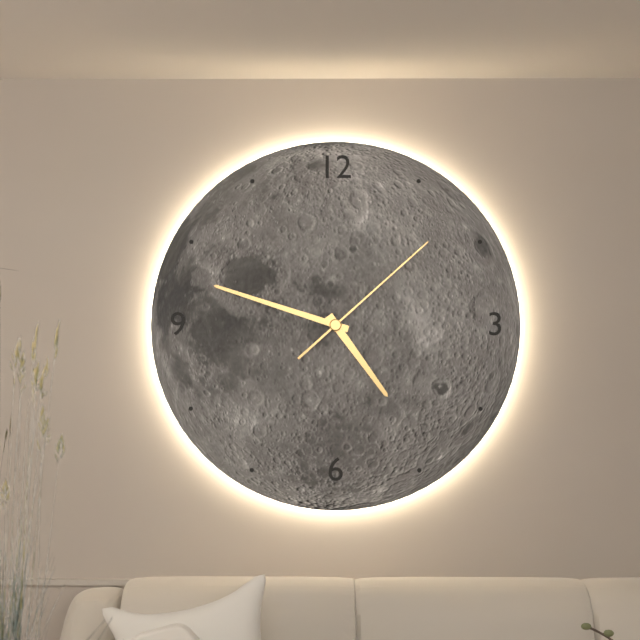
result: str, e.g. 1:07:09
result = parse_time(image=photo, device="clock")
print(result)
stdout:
4:48:08
